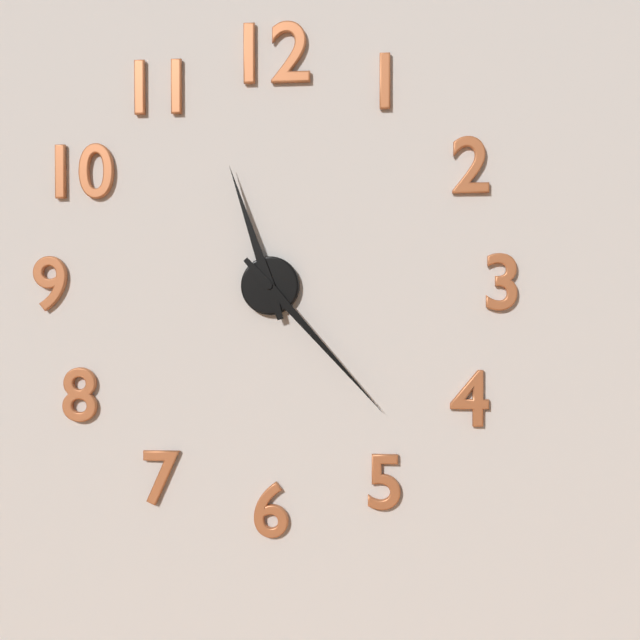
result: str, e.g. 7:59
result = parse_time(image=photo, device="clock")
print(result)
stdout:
11:23
